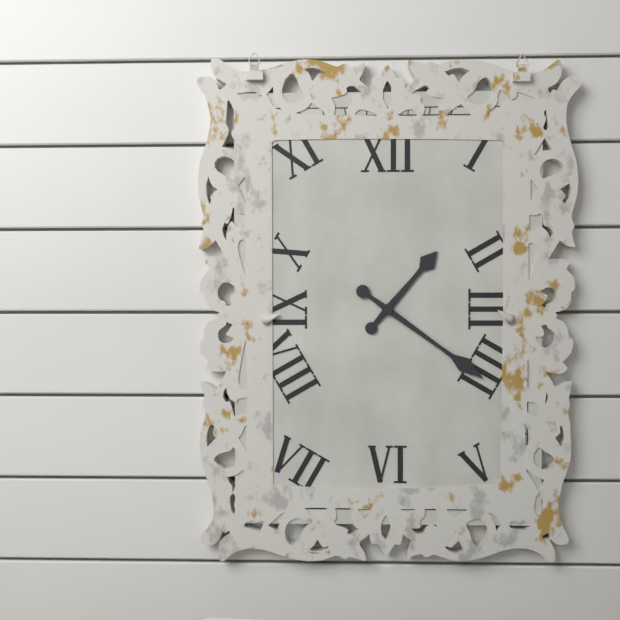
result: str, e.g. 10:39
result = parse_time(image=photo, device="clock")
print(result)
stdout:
1:21
